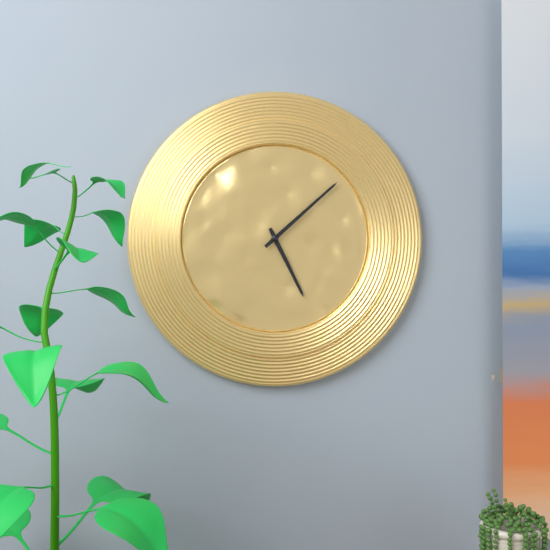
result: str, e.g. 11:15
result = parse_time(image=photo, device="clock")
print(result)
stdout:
5:08
